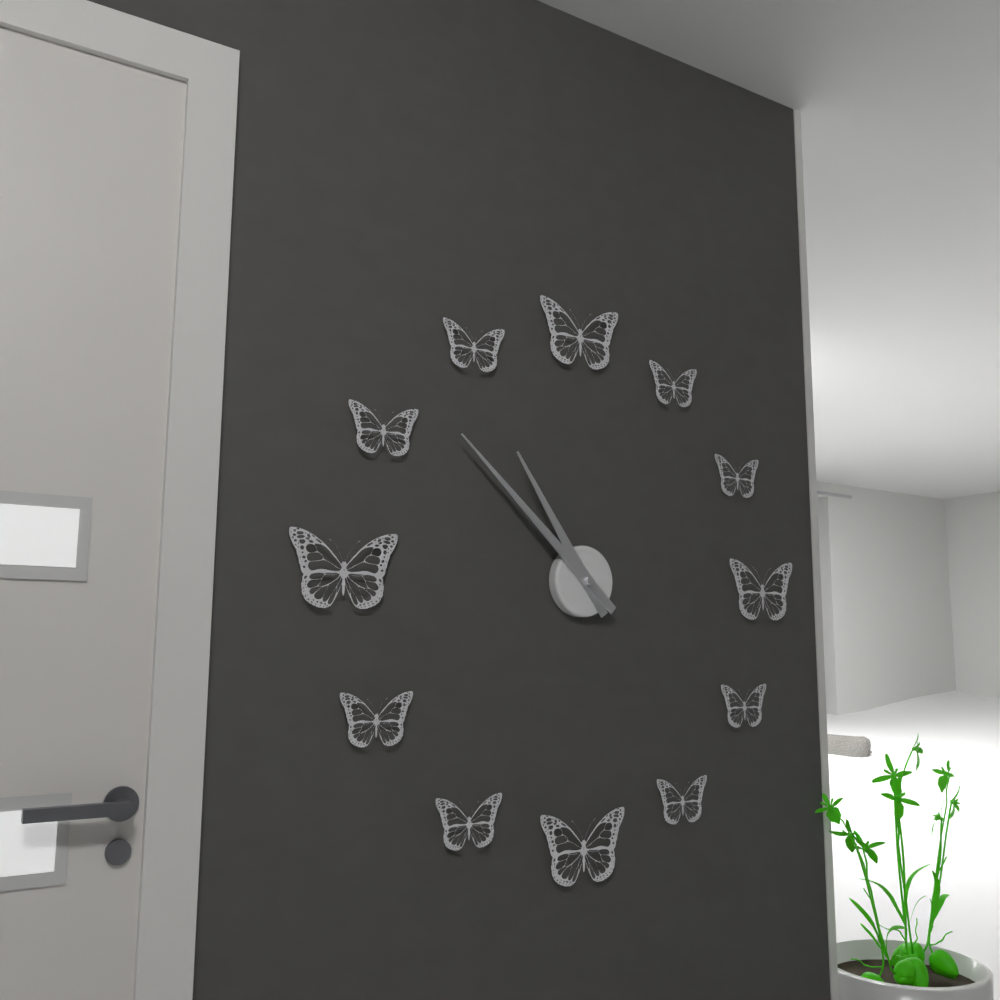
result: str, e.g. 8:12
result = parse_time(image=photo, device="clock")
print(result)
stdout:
10:52
